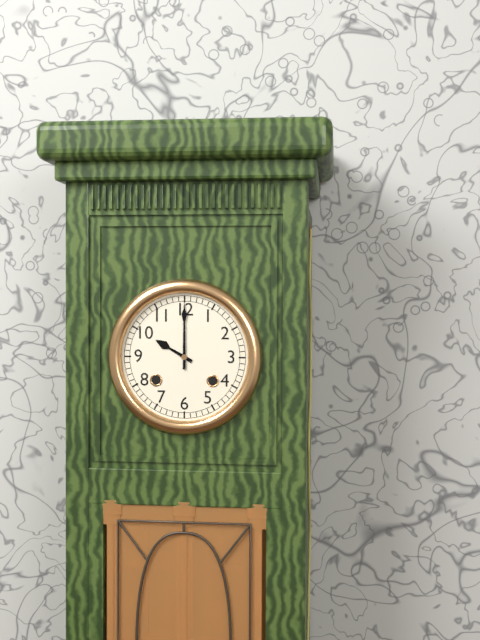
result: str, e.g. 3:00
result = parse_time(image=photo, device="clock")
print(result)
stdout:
10:00
